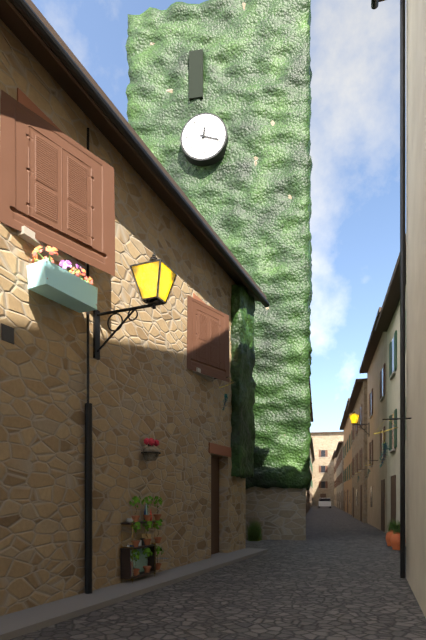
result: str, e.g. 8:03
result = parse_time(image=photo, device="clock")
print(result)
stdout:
12:18
